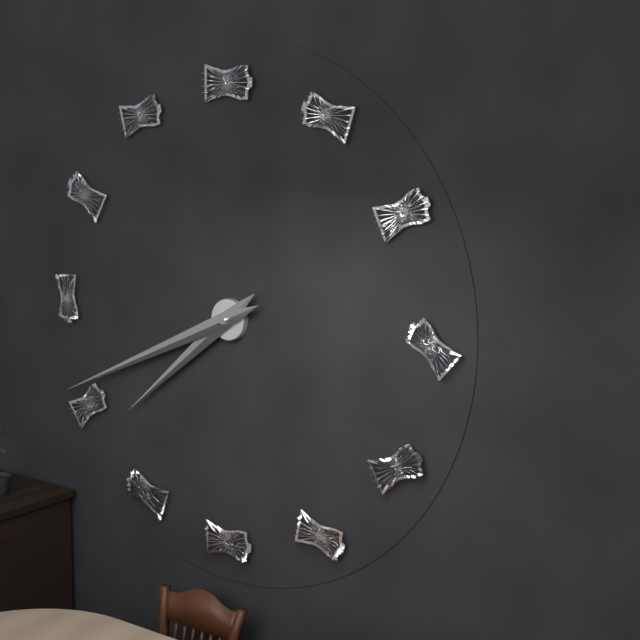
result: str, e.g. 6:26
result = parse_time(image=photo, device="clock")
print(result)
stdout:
7:41
